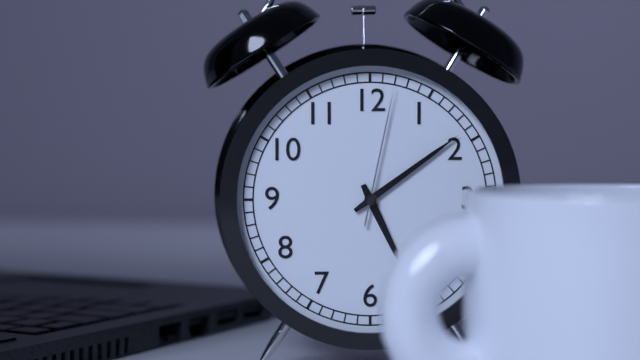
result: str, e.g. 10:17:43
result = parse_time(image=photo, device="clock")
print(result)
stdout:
5:09:02
